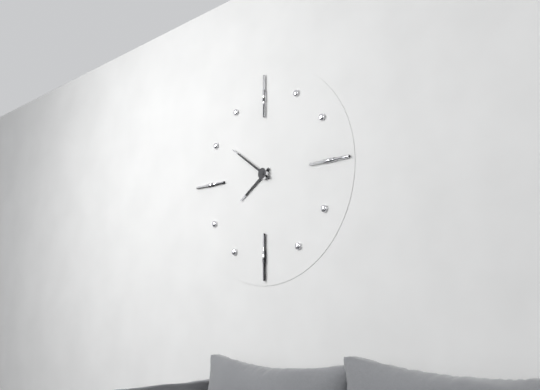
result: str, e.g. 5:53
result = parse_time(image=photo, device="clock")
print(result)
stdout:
7:51
